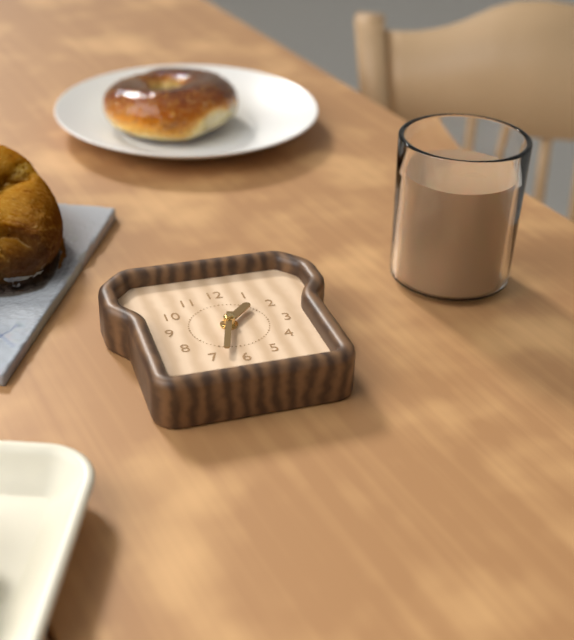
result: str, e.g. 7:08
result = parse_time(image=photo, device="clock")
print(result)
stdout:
1:33
